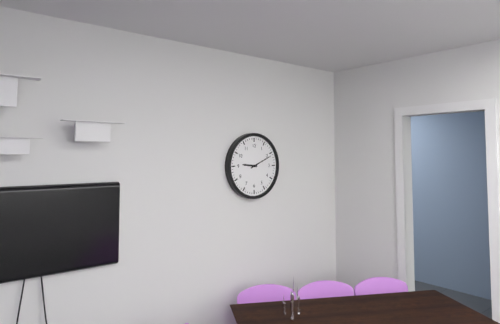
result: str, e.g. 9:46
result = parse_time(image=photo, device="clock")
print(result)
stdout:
9:11
